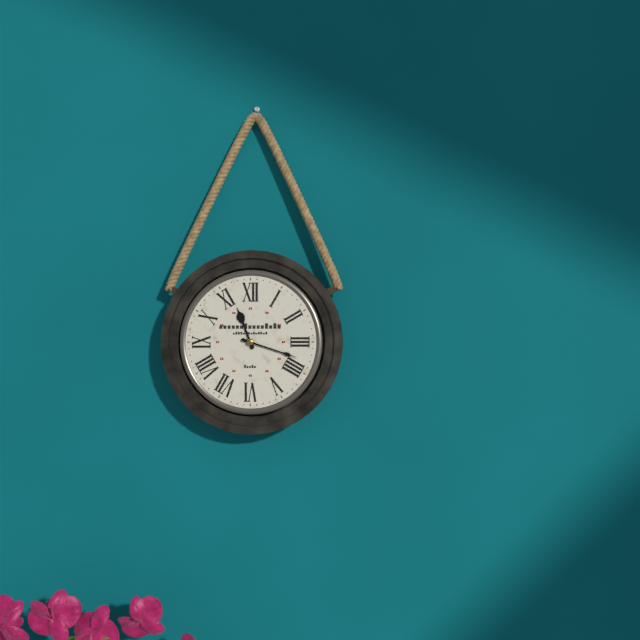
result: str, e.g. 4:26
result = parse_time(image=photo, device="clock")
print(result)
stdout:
11:18
